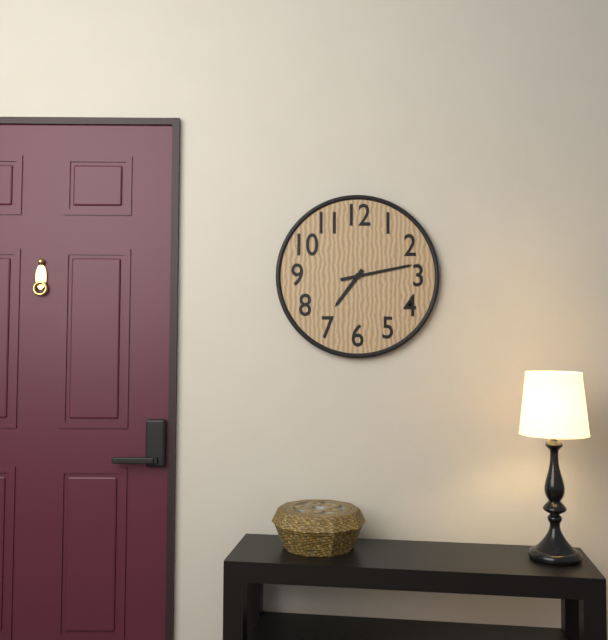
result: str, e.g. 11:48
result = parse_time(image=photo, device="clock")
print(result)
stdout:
7:13
